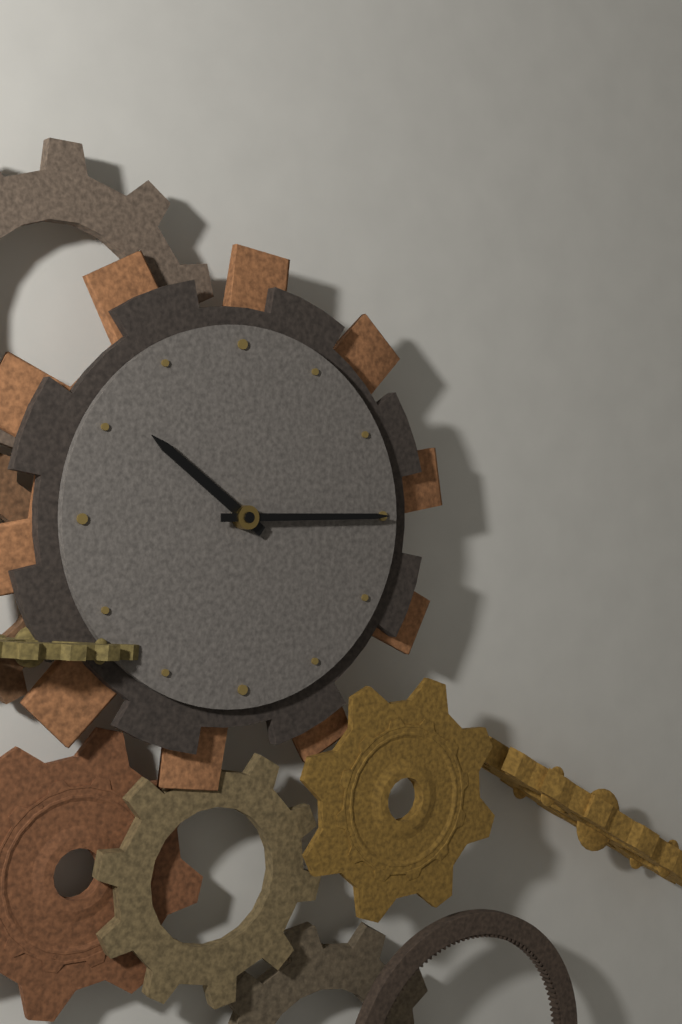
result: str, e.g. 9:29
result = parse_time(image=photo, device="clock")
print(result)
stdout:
10:15
